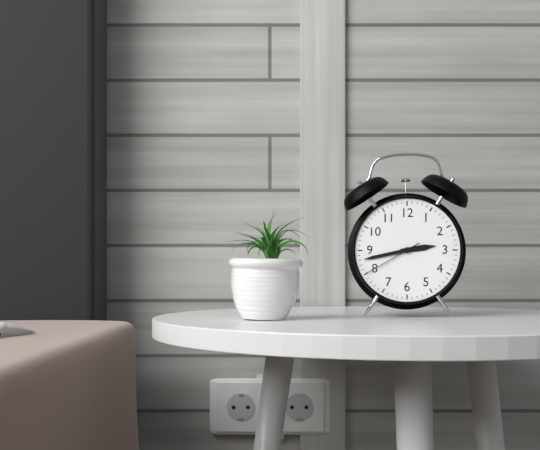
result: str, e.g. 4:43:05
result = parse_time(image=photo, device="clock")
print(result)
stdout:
2:43:40
